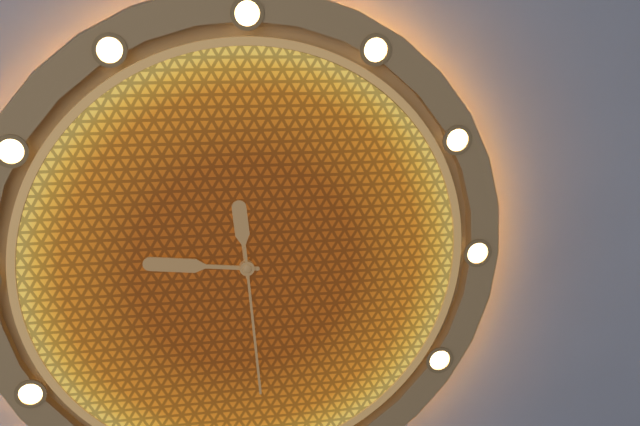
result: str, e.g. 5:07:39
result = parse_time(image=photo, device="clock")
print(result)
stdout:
11:46:29
